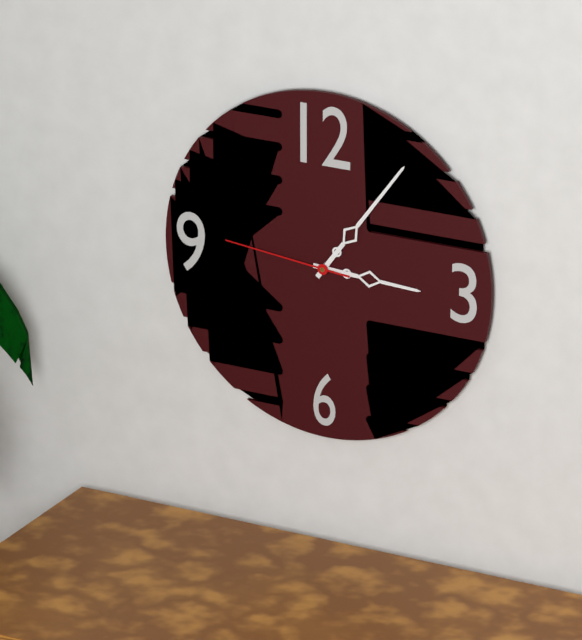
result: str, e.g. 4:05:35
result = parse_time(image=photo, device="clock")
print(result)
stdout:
3:06:46
